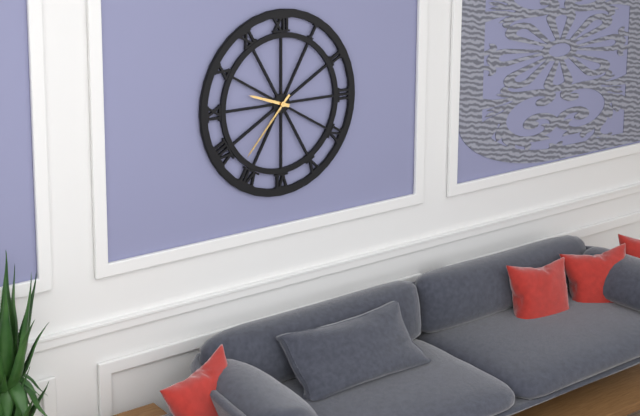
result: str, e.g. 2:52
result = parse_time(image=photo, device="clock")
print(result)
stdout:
9:37
